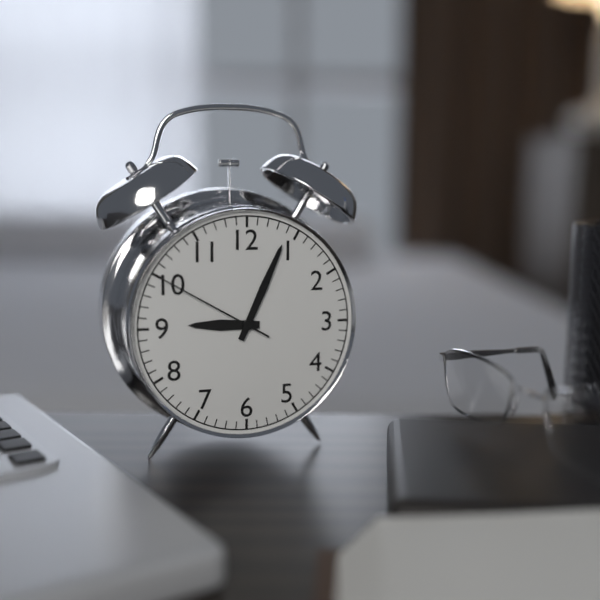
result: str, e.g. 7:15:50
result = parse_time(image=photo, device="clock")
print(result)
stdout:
9:04:50
